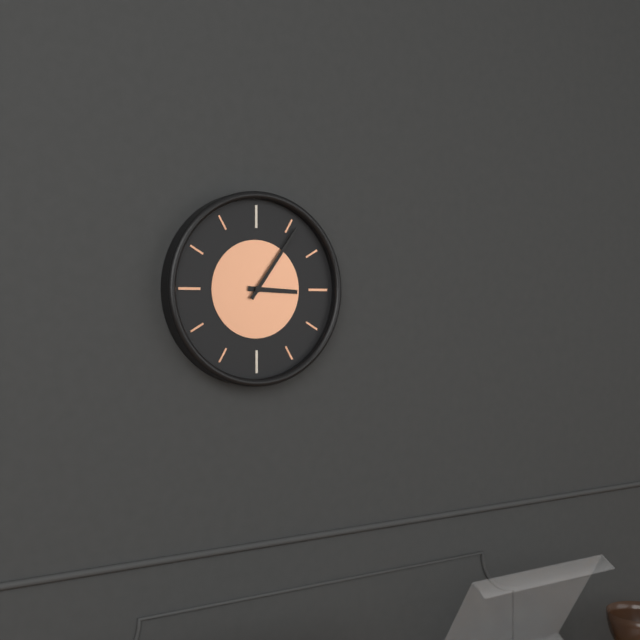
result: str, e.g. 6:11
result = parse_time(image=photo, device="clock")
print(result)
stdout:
3:06
